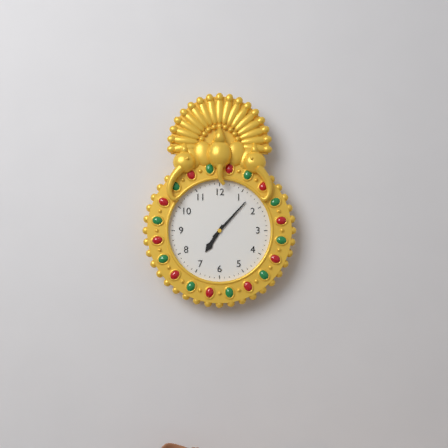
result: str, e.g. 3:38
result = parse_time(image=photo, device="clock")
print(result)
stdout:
7:07
